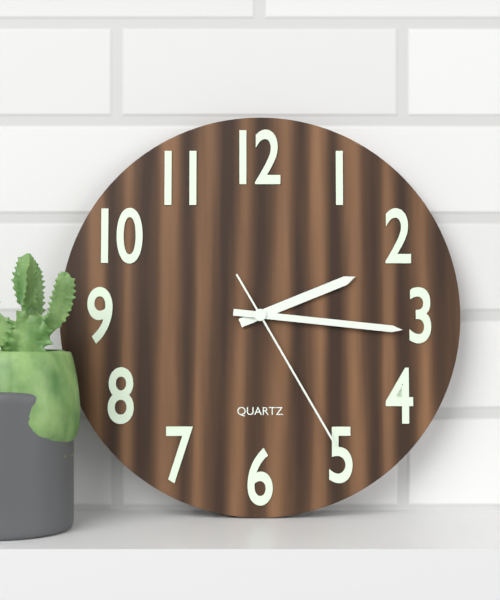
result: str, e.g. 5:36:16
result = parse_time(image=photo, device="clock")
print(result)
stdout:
2:16:25
